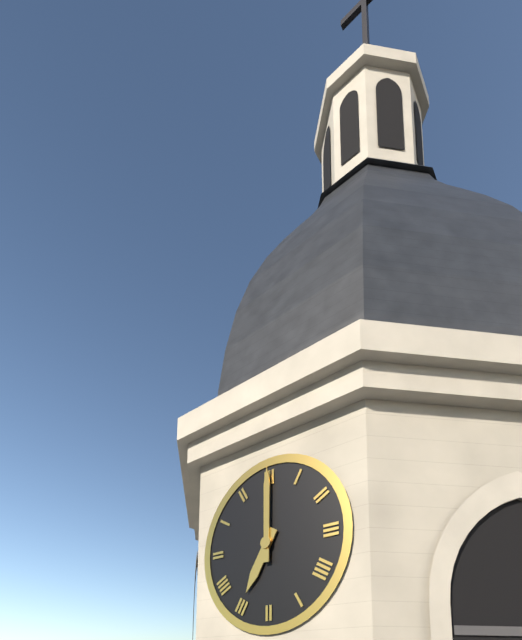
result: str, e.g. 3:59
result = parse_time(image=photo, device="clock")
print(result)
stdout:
7:00
